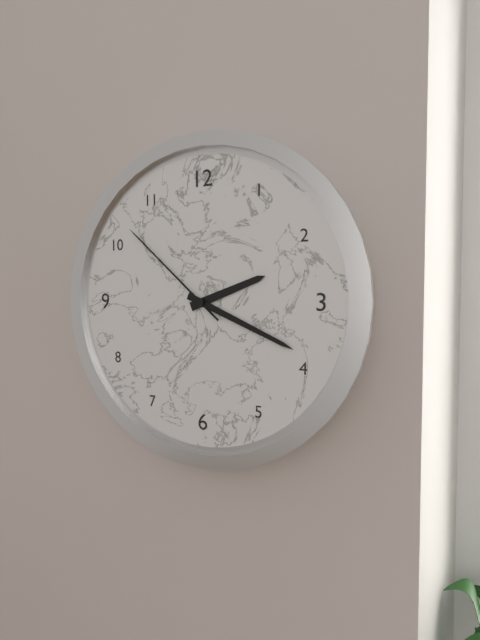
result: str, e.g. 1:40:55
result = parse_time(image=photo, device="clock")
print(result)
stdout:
2:19:52
